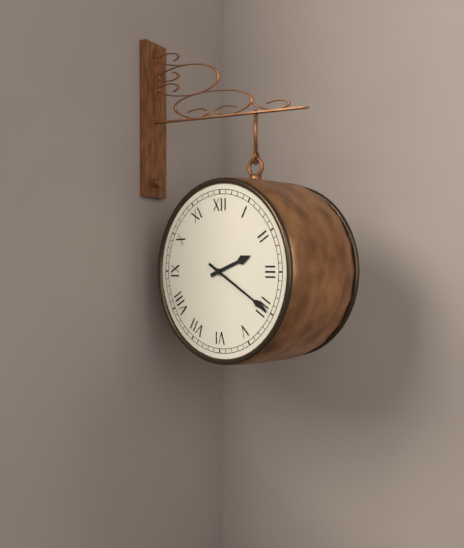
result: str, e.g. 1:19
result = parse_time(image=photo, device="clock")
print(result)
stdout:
2:20
